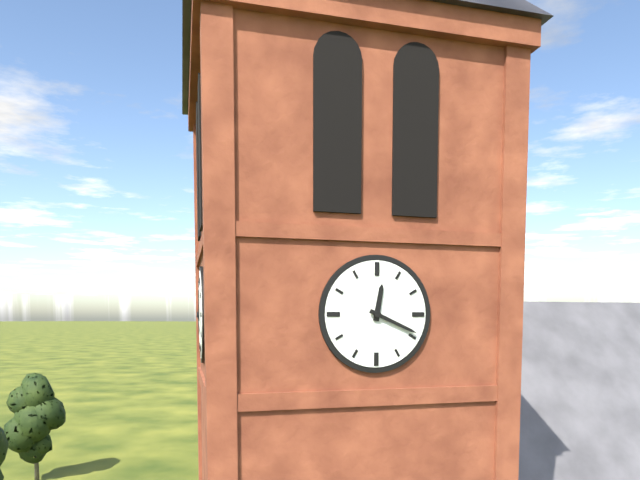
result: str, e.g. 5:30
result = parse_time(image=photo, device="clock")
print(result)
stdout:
12:19
